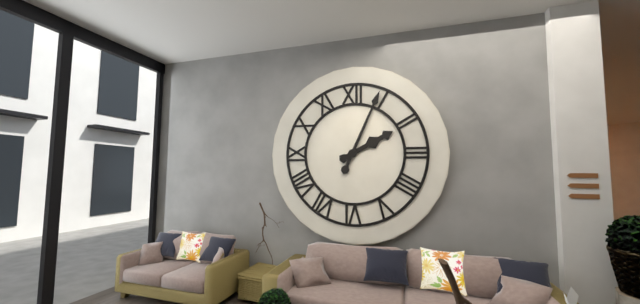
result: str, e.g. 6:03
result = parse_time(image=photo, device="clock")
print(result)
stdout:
2:04
